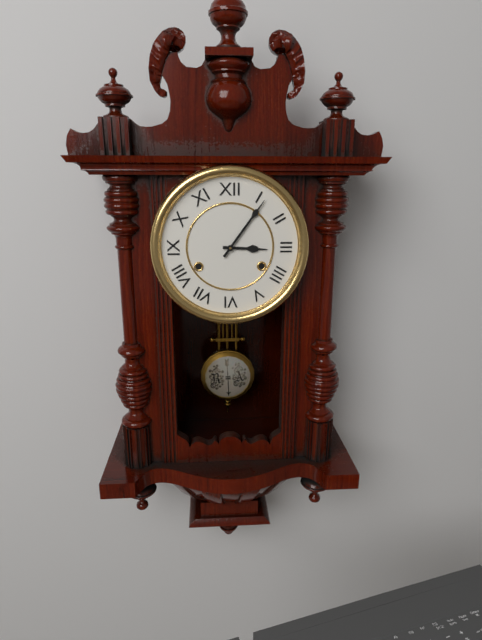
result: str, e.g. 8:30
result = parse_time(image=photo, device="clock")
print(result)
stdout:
3:06
